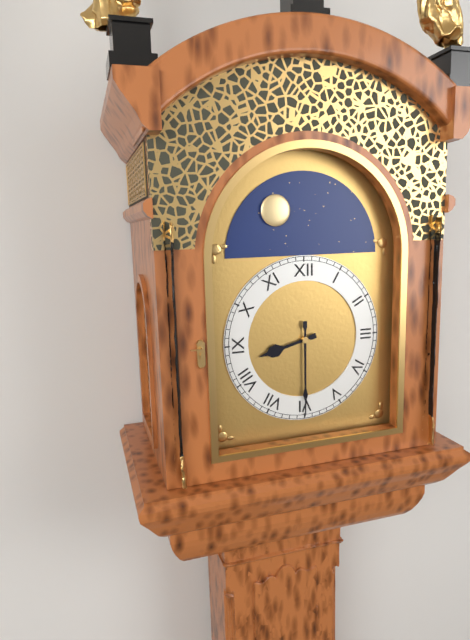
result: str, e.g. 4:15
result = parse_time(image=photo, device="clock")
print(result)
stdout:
8:30
